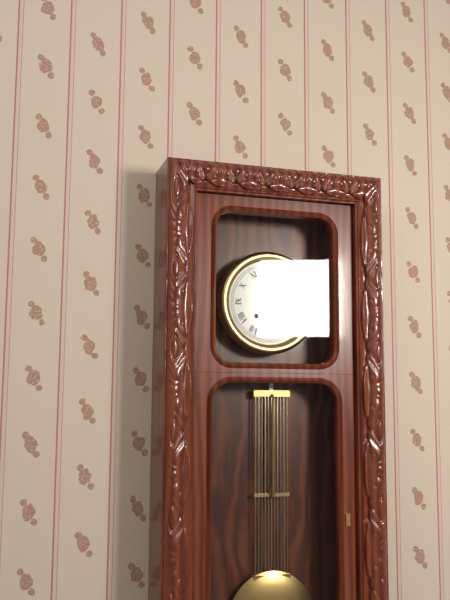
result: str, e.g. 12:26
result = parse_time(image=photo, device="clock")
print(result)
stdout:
6:21
